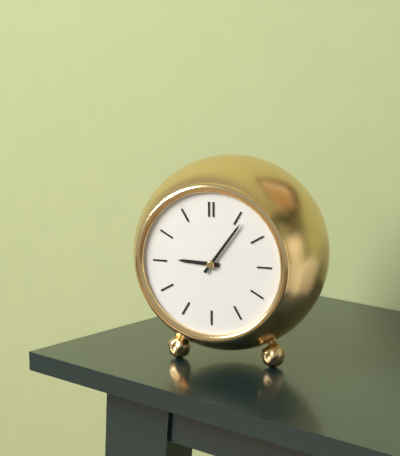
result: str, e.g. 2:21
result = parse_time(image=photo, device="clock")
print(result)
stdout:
9:06
